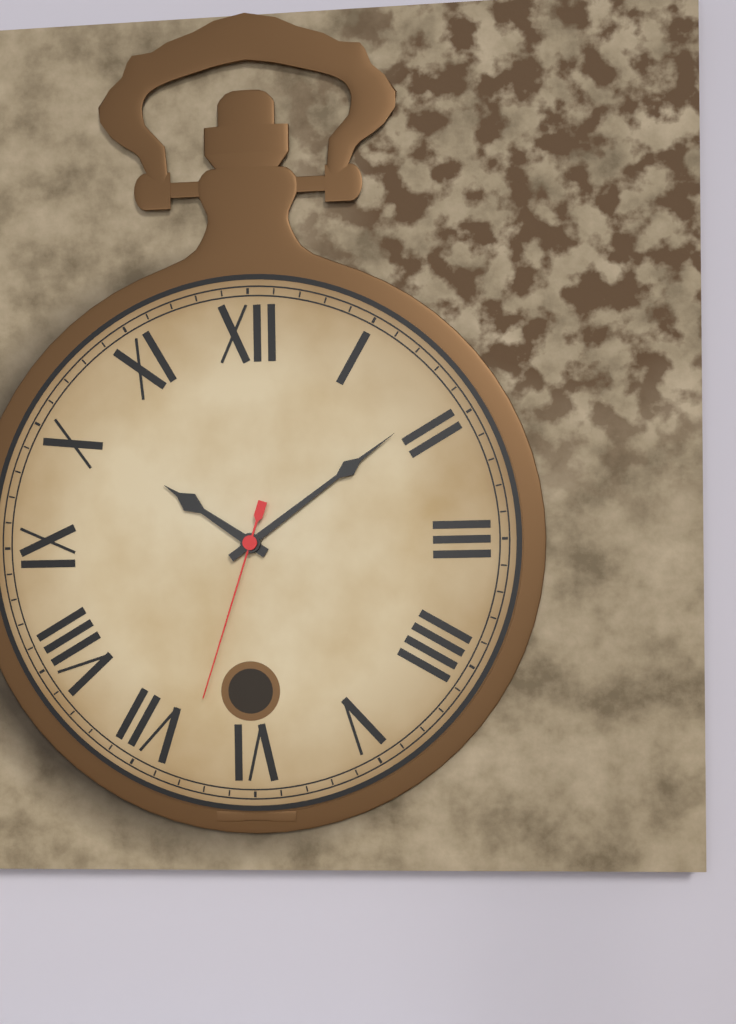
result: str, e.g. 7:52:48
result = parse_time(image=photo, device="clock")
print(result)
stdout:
10:09:33
